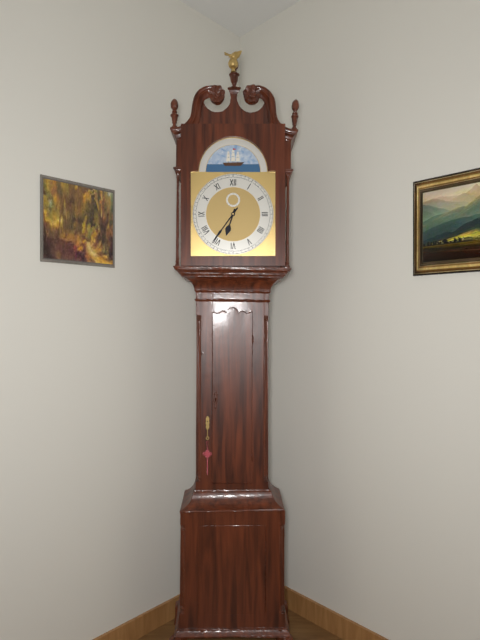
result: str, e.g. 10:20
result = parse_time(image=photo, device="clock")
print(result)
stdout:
6:36
